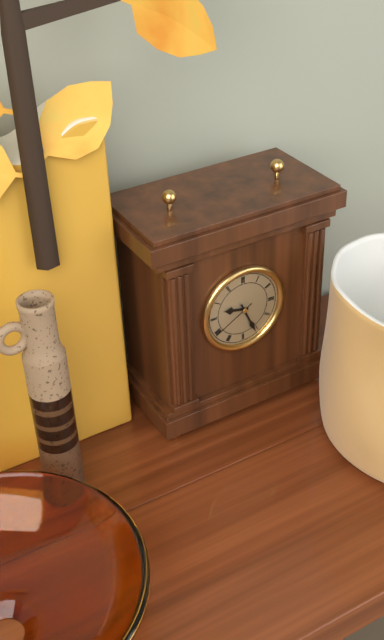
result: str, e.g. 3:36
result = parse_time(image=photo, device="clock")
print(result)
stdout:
9:26
